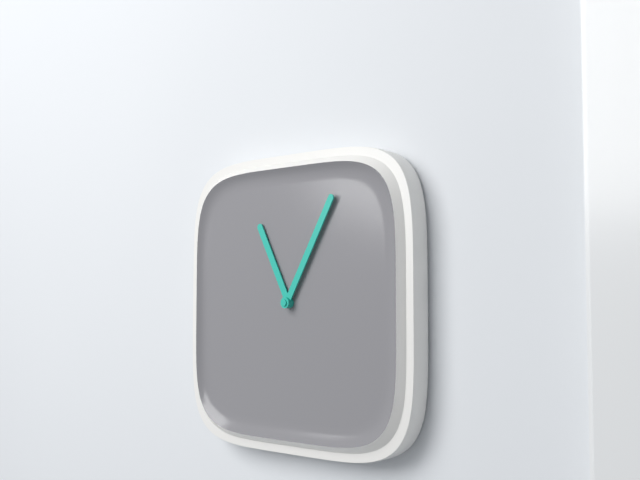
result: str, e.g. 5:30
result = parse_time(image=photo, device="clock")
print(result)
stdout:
11:05
